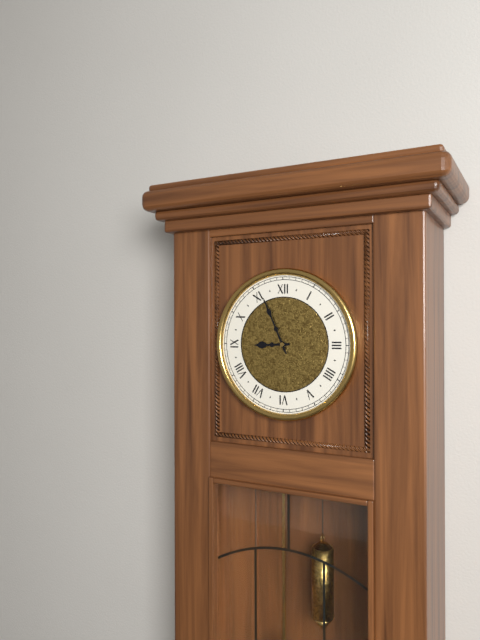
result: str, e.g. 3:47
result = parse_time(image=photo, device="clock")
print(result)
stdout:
8:56
